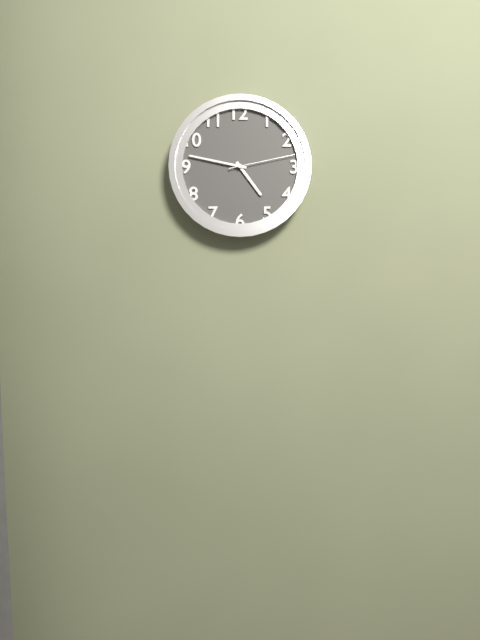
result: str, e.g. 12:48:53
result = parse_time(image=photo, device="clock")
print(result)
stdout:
4:47:13
